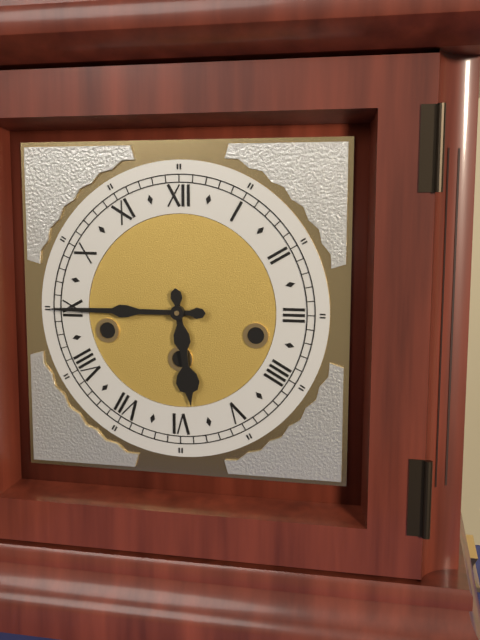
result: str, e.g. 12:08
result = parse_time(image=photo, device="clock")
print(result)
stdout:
5:45
